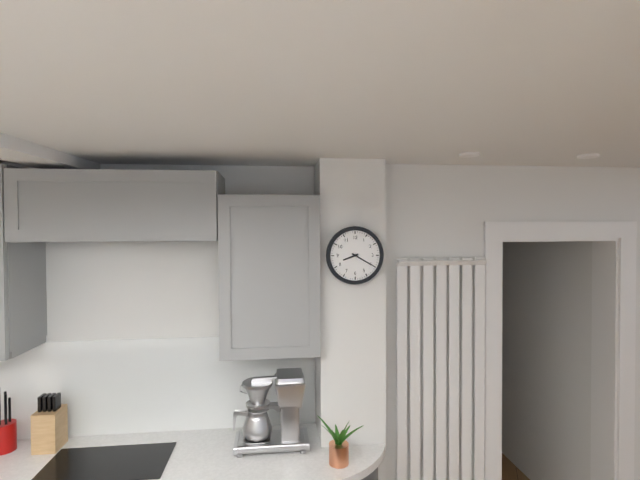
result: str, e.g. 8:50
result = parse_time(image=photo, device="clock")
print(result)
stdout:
8:20
